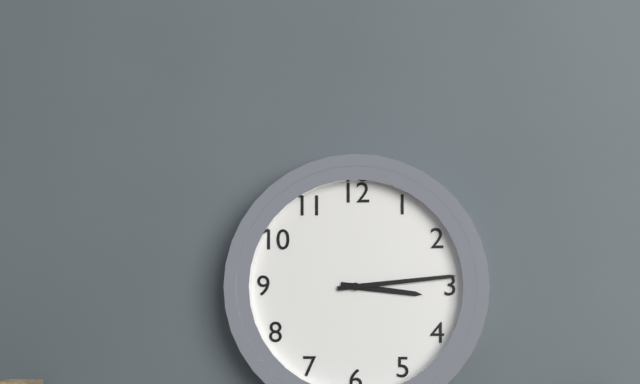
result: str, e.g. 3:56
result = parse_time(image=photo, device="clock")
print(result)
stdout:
3:14
